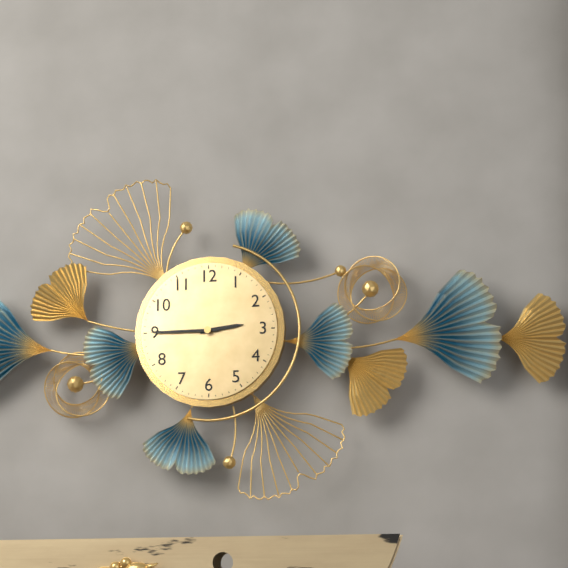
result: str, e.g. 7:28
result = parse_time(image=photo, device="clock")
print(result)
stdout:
2:45
